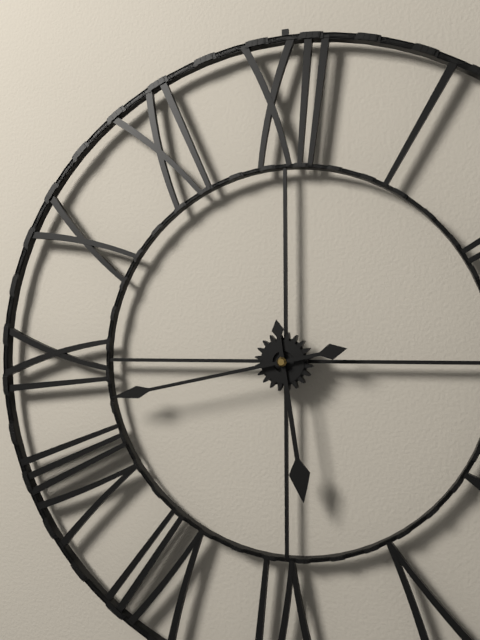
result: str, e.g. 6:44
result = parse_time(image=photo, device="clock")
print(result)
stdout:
5:43
